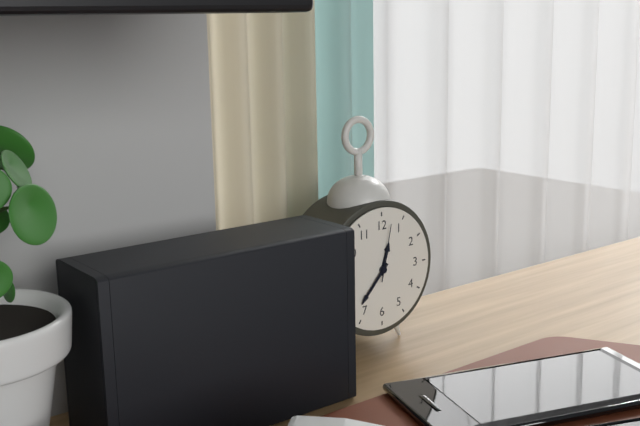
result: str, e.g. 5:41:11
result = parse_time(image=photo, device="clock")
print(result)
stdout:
12:37:02
